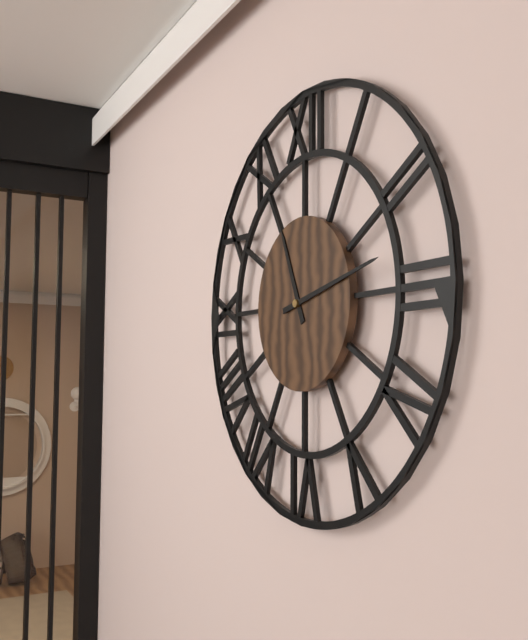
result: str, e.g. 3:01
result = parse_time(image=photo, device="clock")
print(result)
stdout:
11:13
